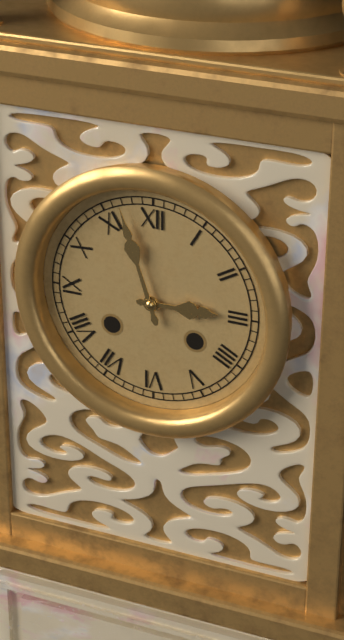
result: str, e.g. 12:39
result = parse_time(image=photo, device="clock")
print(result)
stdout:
2:57
